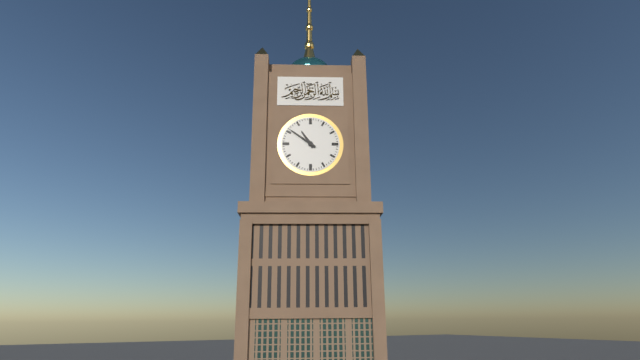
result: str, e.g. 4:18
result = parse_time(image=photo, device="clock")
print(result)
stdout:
10:51
